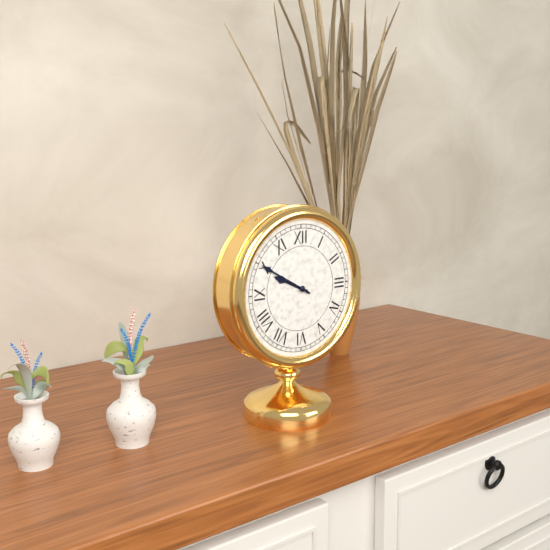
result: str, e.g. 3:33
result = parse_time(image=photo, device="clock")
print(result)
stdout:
9:50
